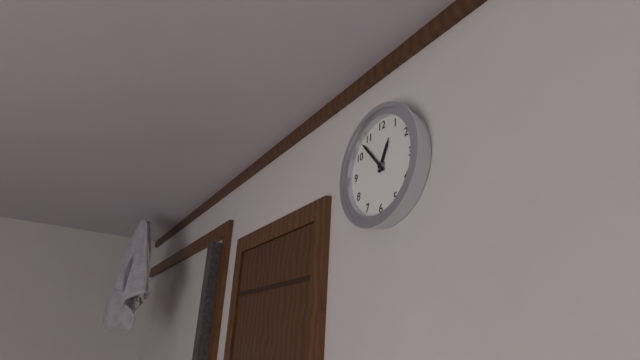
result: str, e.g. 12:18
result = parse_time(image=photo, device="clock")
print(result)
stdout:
12:53
